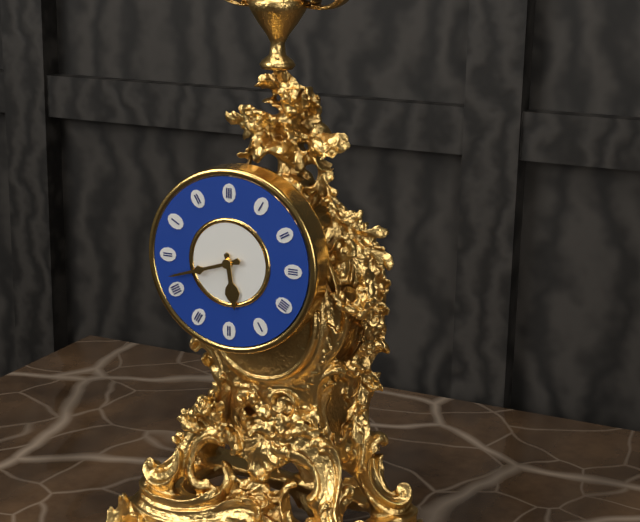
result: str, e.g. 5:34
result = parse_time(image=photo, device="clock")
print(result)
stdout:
5:42
